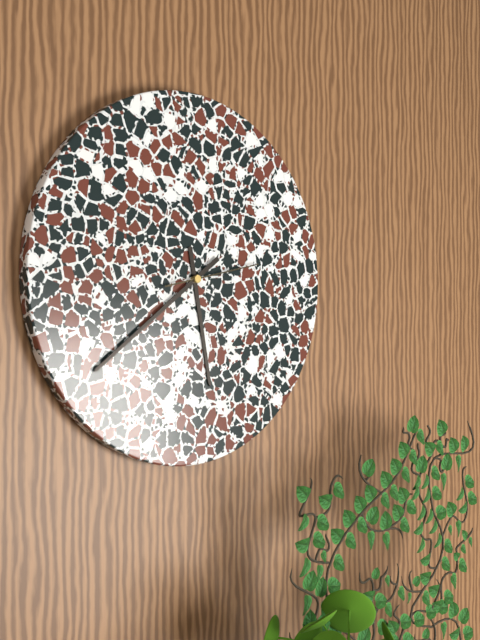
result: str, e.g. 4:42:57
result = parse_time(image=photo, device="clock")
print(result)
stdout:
5:39:13
